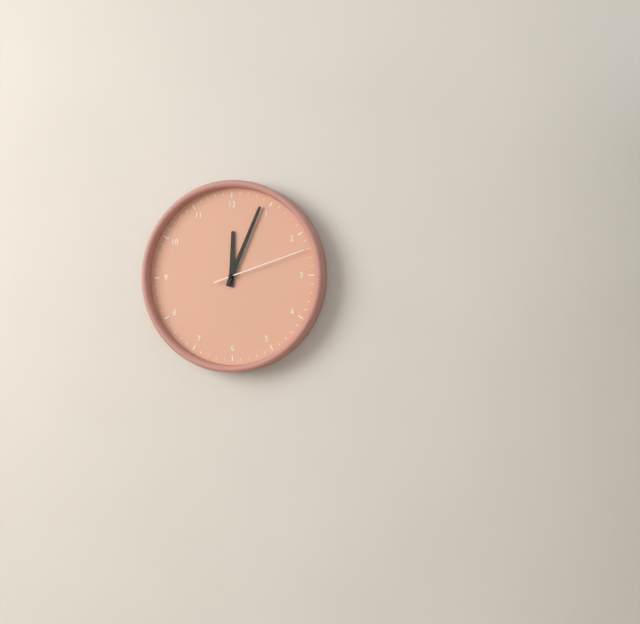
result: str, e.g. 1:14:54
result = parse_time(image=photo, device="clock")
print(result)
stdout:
12:04:12
